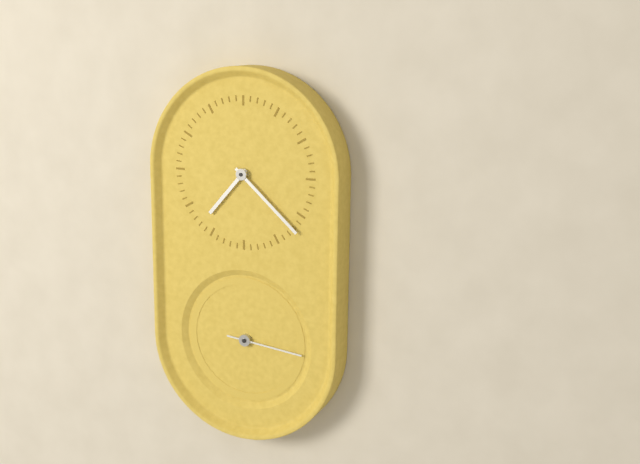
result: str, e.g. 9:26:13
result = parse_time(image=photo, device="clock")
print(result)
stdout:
7:22:16
